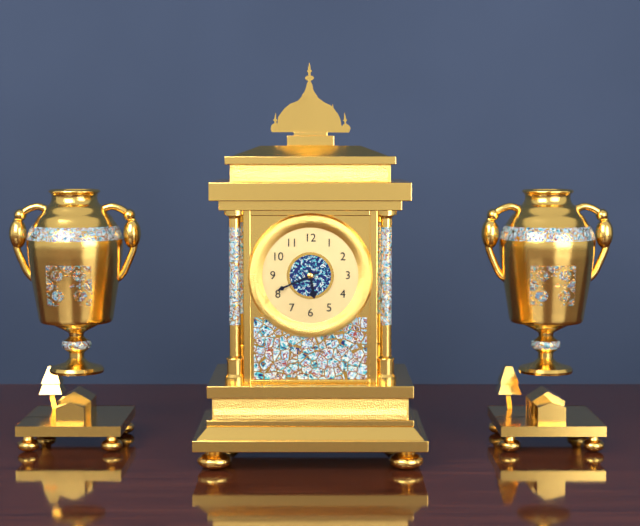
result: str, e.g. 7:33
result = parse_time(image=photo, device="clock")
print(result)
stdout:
5:41
